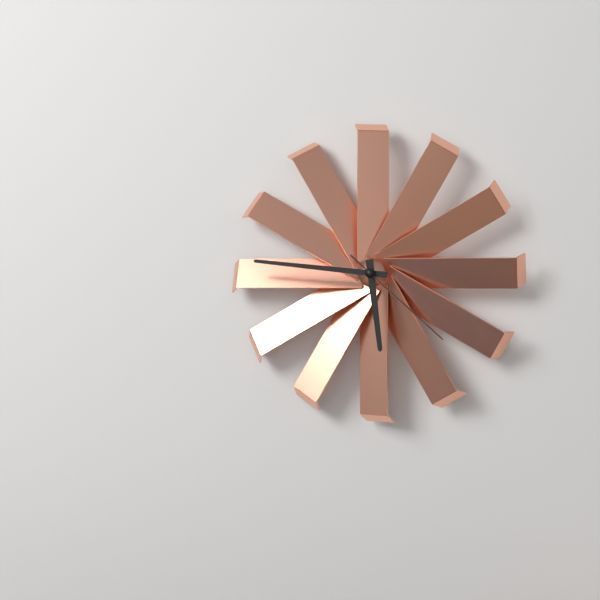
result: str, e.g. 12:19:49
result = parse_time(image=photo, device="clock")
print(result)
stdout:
5:46:22
